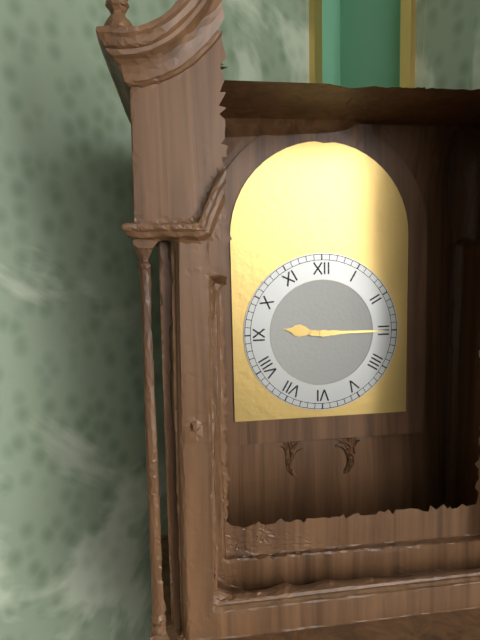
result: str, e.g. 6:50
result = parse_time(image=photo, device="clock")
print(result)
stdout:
9:15
